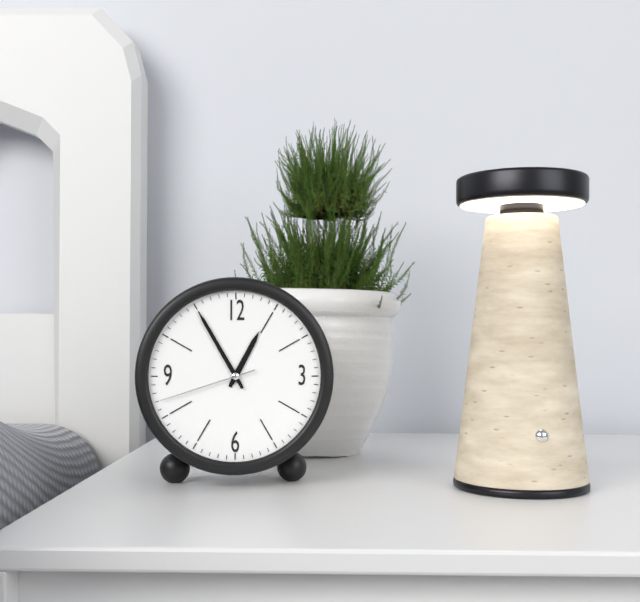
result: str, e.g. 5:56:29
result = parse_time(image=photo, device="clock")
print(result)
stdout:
12:55:42
